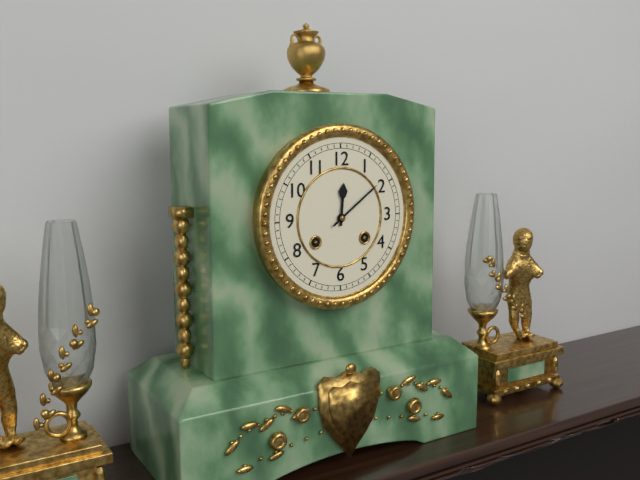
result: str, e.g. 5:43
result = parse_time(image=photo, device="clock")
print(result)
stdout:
12:09
